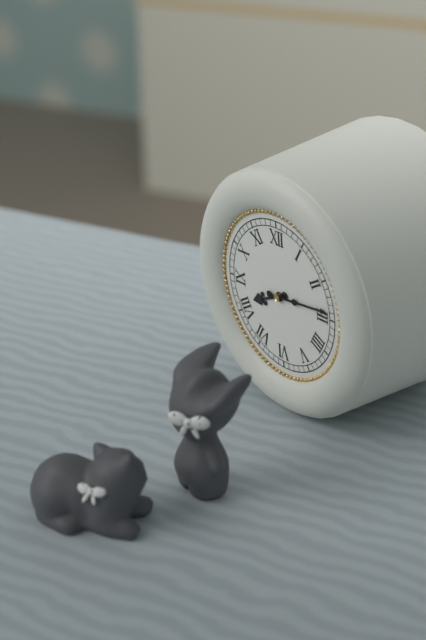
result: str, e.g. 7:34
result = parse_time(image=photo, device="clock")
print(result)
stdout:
8:14
